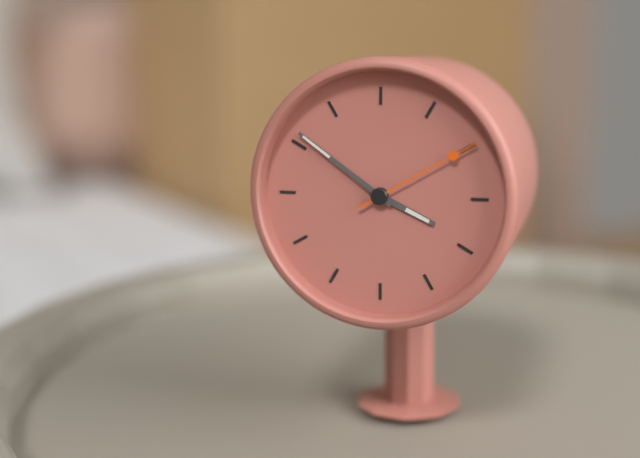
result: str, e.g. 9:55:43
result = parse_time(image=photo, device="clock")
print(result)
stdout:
3:51:10
